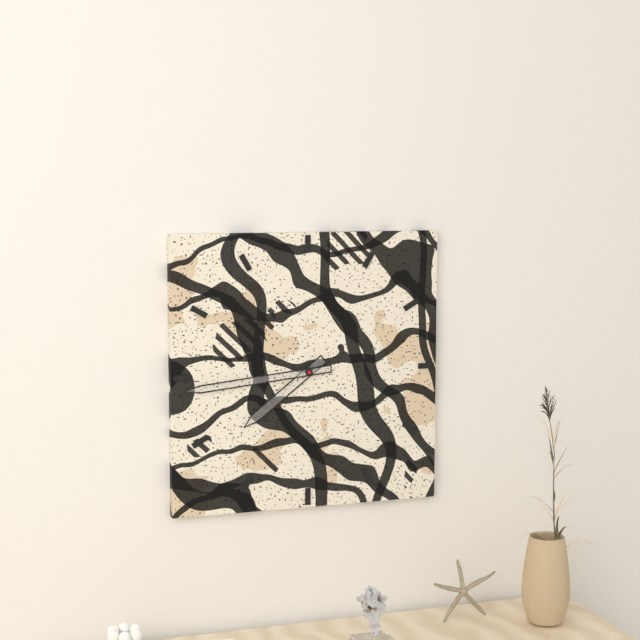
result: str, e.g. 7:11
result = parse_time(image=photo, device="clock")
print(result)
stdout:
7:44
